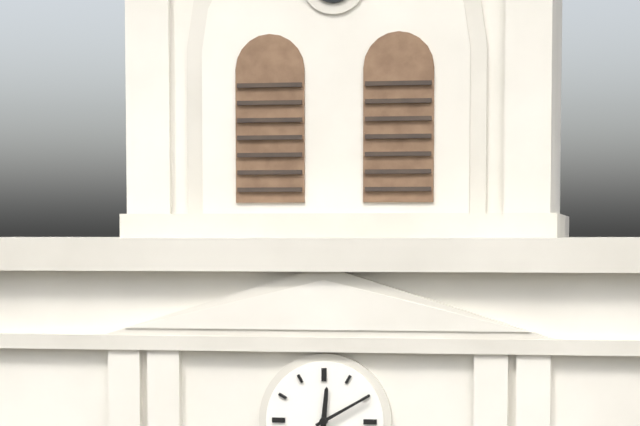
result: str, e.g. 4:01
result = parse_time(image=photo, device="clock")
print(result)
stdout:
12:10
